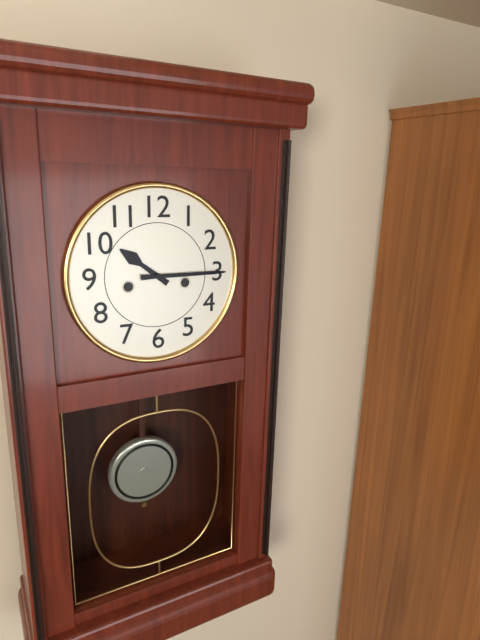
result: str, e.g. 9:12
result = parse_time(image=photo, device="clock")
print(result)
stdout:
10:15
